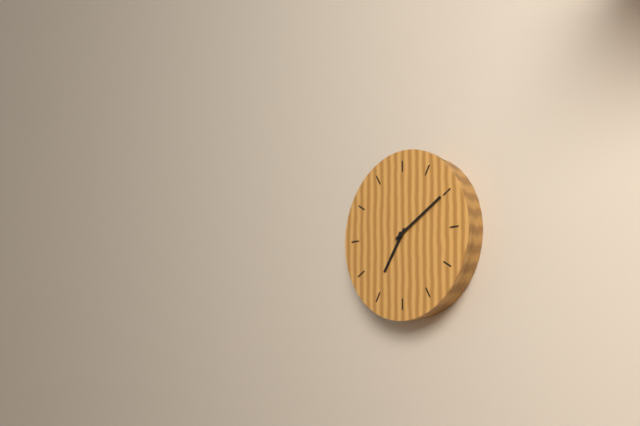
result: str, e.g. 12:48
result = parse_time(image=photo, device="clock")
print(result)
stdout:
7:10
